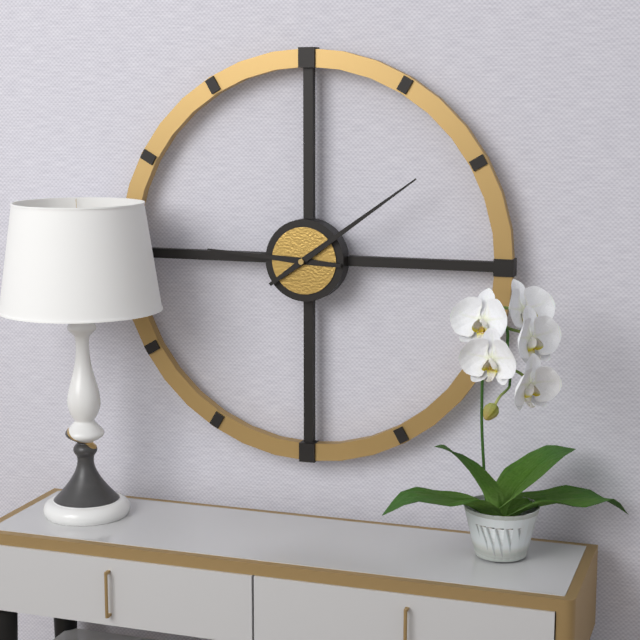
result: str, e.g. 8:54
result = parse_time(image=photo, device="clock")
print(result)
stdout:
9:09
